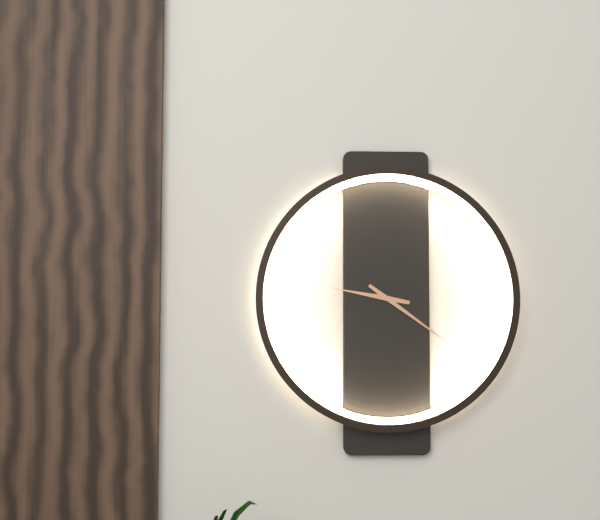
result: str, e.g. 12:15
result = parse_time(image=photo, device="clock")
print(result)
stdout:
9:21
